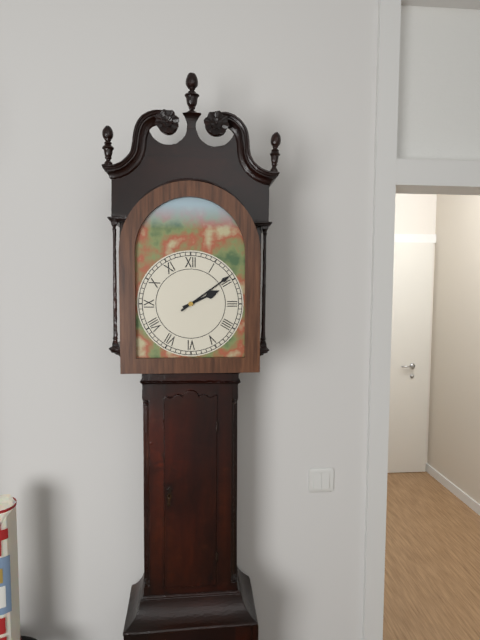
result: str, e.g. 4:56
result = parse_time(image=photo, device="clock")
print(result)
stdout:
2:09
